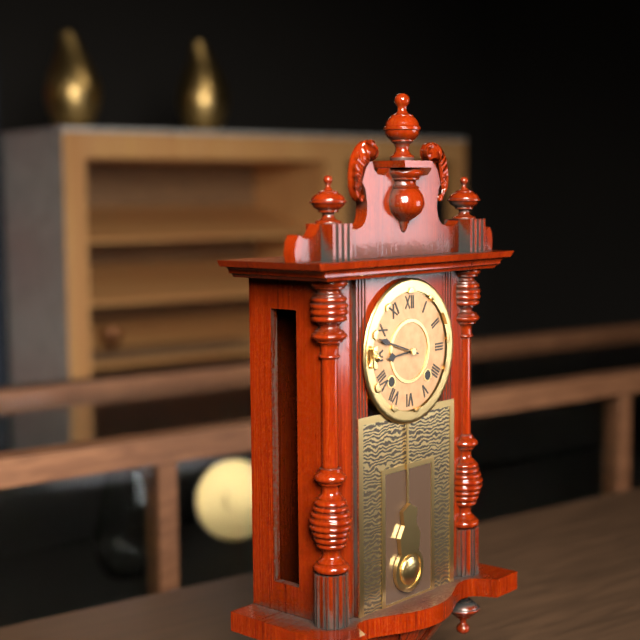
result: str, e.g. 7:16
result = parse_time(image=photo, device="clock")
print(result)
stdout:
8:48
